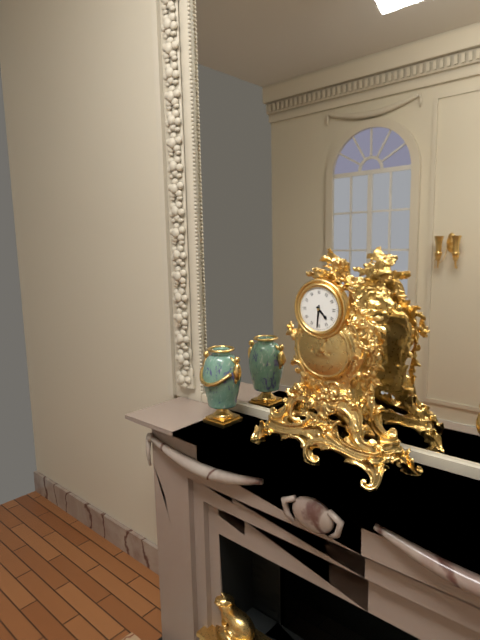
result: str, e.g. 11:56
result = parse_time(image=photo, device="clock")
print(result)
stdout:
4:31
